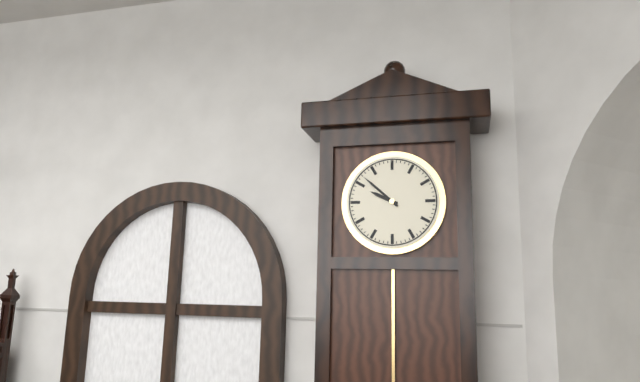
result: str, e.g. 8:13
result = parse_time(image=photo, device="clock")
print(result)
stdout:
9:52
